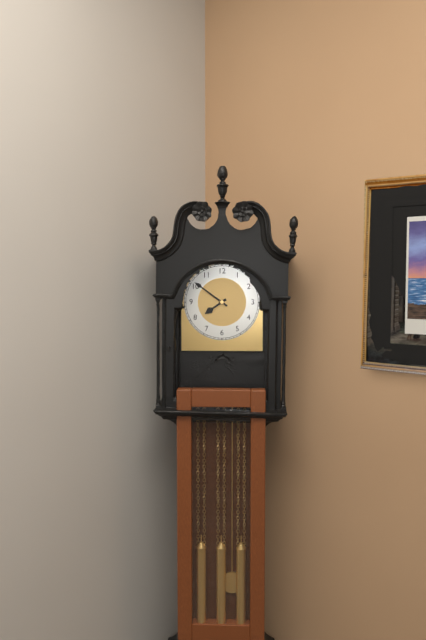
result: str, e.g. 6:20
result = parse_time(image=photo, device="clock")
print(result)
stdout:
7:51
